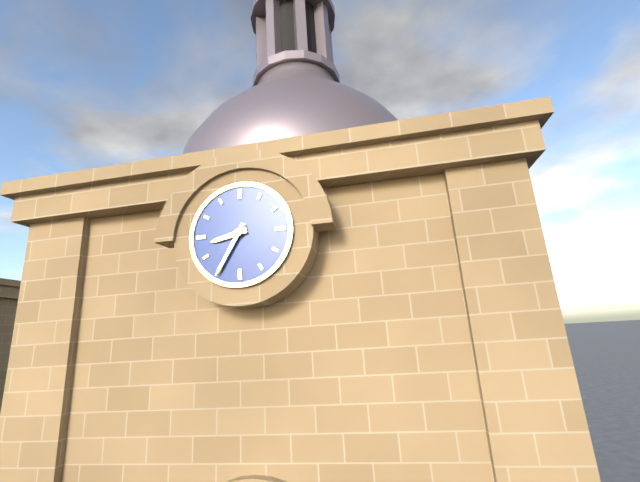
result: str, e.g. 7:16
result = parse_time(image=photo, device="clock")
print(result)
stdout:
8:35
